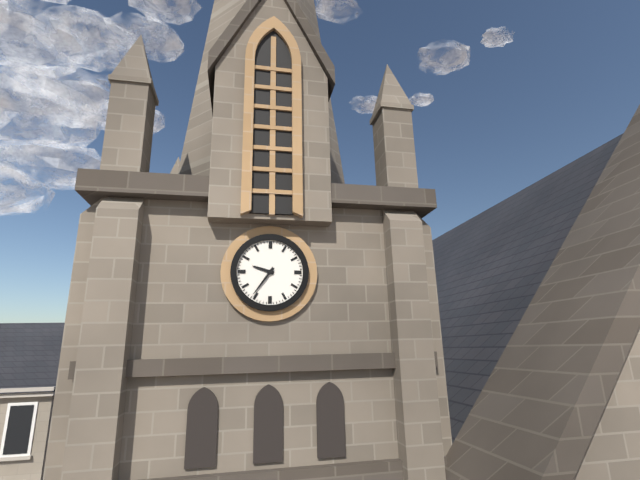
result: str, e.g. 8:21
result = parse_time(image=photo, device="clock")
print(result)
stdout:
9:36
